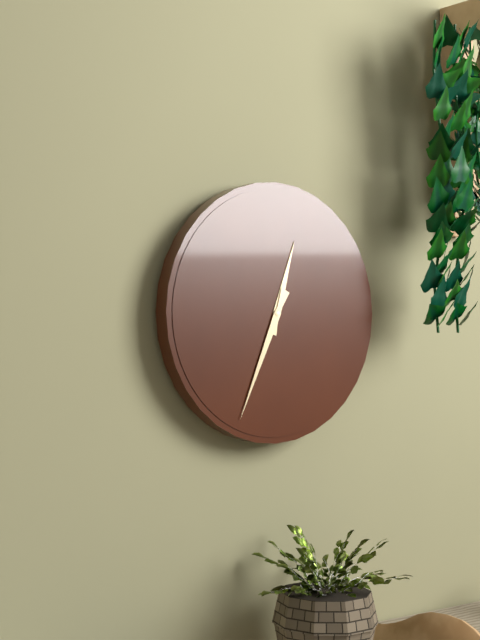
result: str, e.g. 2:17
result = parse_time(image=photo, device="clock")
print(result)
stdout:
12:34
